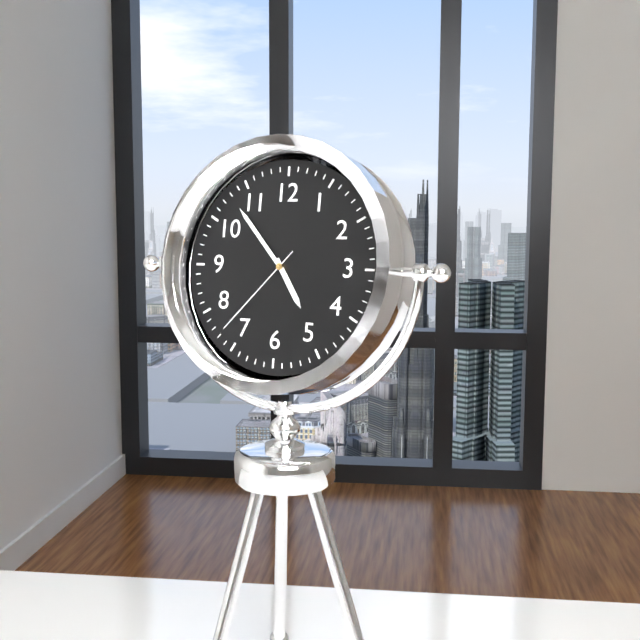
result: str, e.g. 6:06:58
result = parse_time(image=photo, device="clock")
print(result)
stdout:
4:53:37
